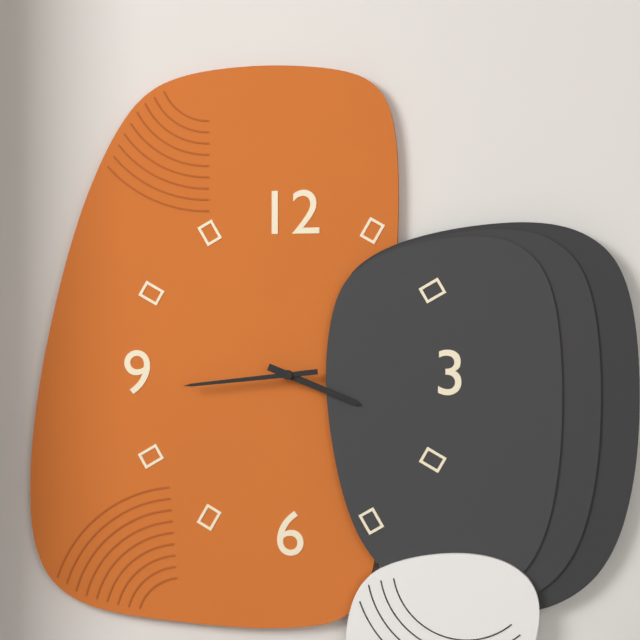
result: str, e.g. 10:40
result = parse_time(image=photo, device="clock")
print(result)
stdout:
3:44
